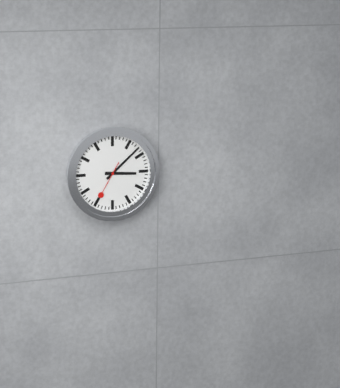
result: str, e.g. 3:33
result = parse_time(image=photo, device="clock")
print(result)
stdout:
3:08
